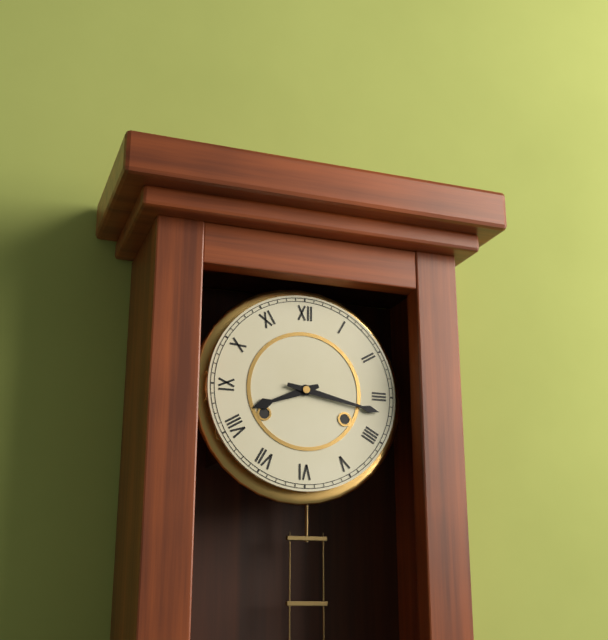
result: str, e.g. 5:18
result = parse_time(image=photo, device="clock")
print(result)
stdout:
8:17
